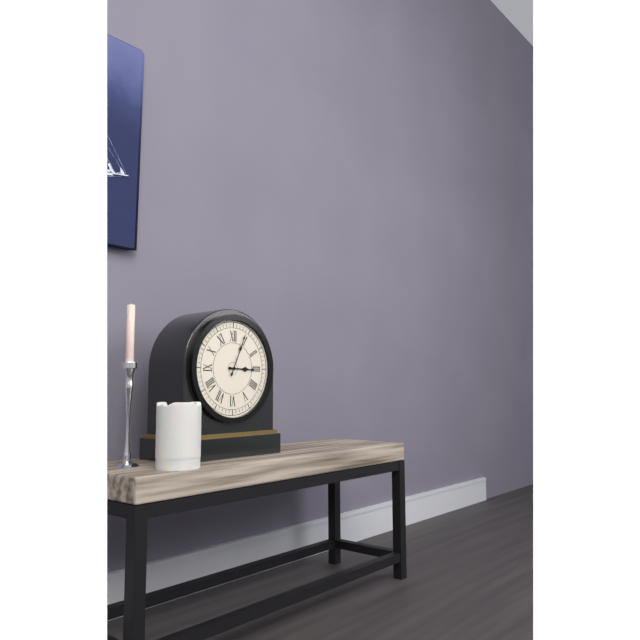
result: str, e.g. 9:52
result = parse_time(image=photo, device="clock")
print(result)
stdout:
3:04
